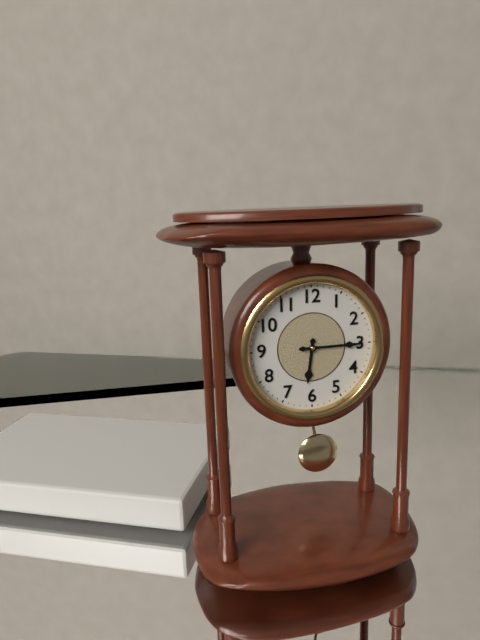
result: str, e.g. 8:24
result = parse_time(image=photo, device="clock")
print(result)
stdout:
6:15
